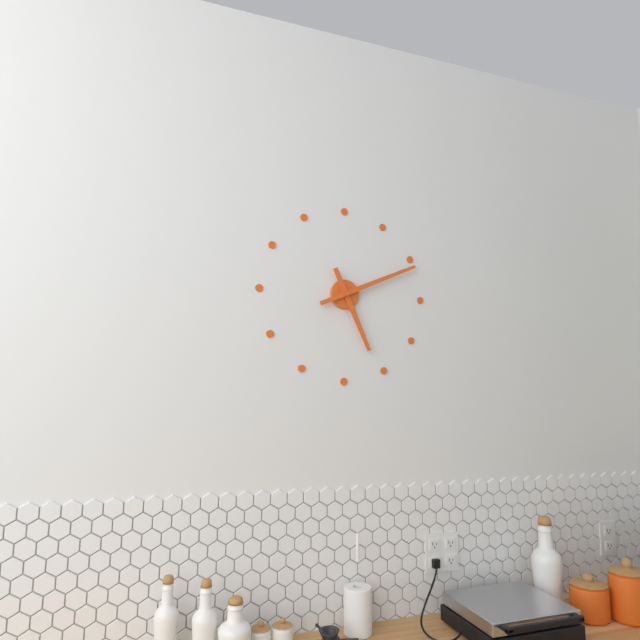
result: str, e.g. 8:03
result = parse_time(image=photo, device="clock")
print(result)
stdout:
5:11
